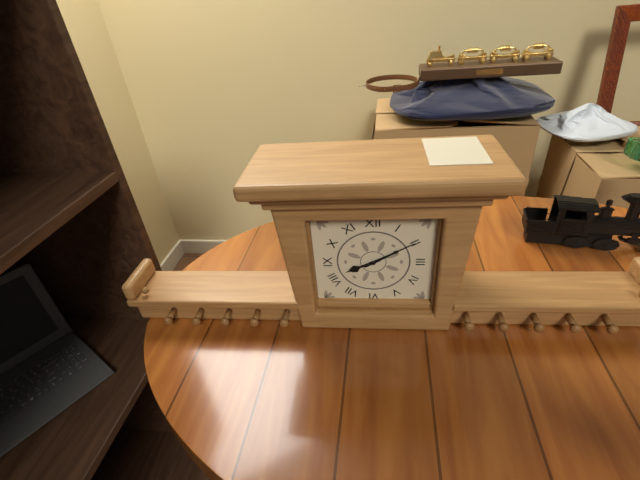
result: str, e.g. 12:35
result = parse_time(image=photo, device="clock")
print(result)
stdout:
8:10
